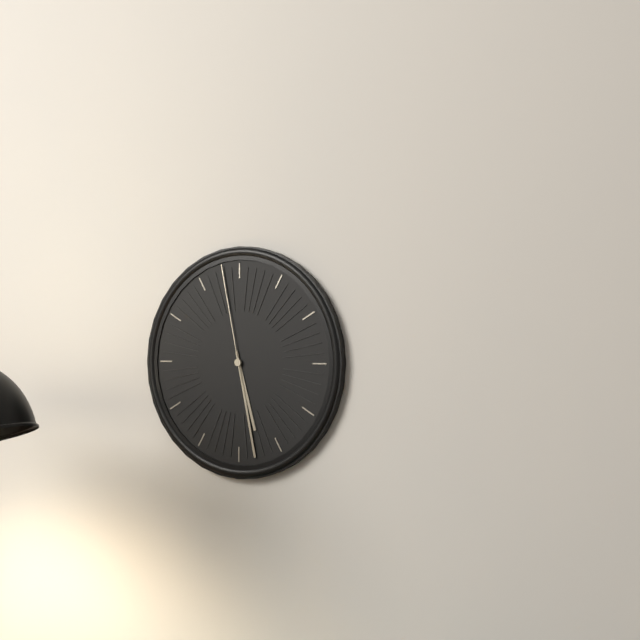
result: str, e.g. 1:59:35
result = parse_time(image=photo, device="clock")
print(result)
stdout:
5:28:58
